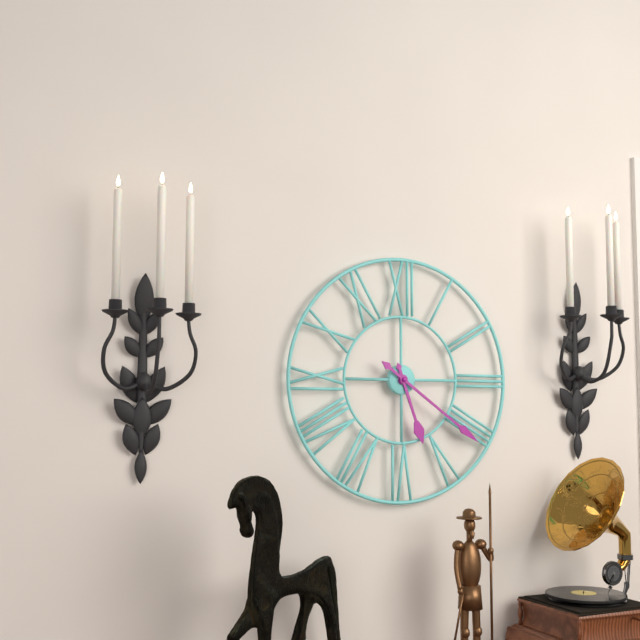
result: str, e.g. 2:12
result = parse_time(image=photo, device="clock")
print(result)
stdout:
5:21
